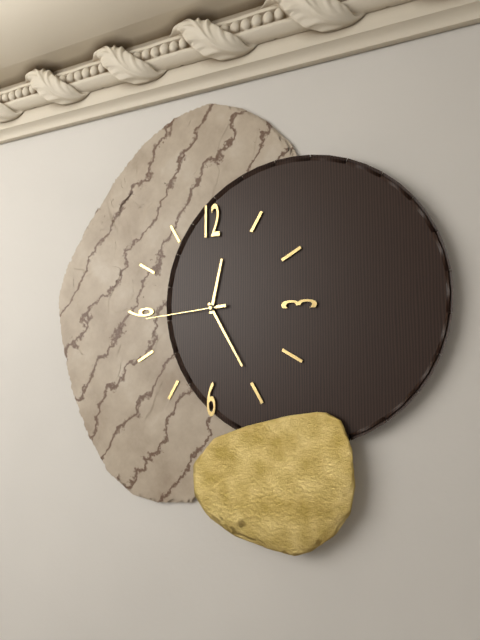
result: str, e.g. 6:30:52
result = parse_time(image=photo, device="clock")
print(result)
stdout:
12:25:44
